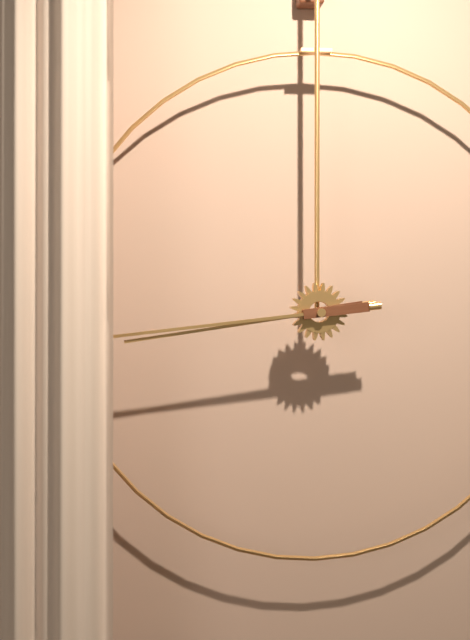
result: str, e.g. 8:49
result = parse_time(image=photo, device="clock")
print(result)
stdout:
8:44
